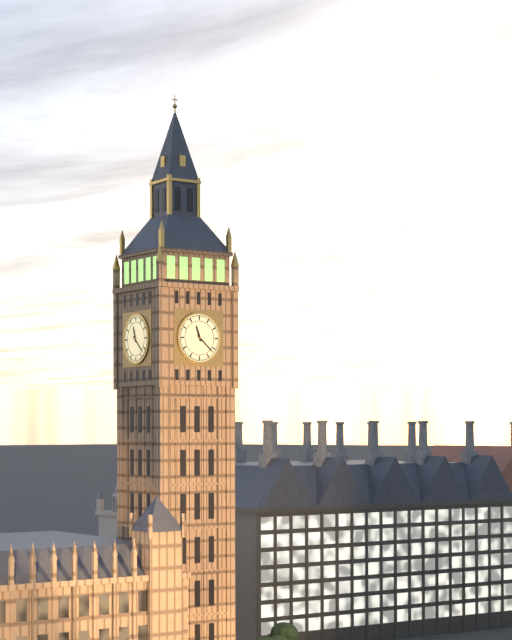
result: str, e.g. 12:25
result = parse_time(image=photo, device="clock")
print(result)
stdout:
11:22
